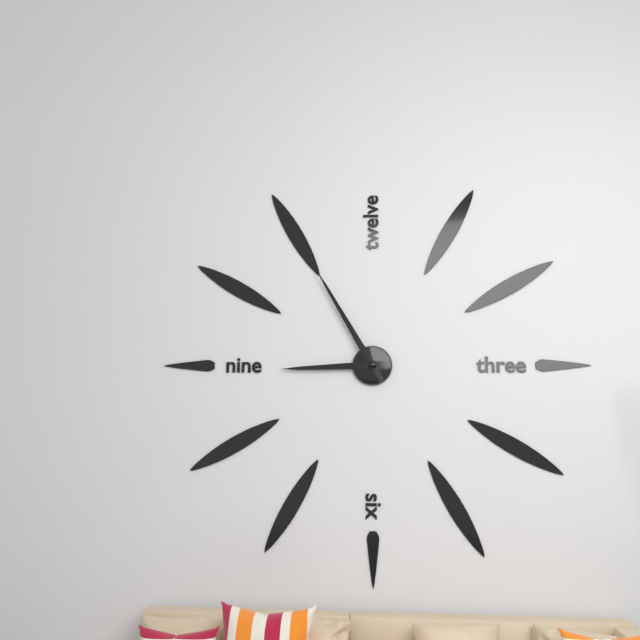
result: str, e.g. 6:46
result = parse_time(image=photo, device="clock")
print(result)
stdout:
8:55
